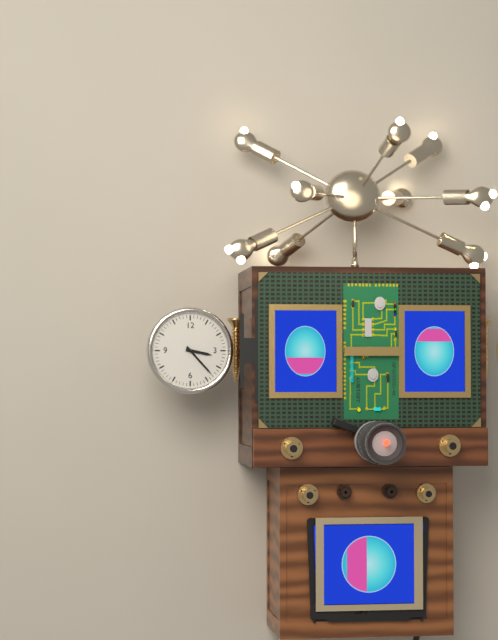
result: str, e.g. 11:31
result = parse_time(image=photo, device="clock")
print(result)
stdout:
3:23
